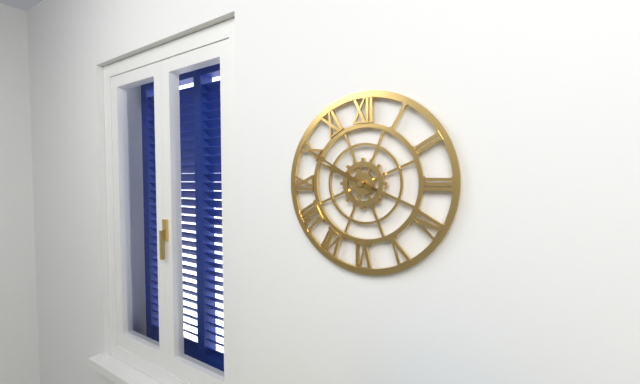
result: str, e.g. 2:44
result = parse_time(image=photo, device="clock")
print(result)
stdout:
9:50
